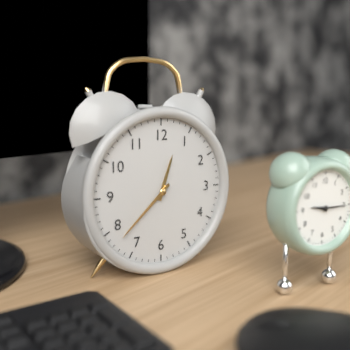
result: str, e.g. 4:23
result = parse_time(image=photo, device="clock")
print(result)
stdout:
12:38
